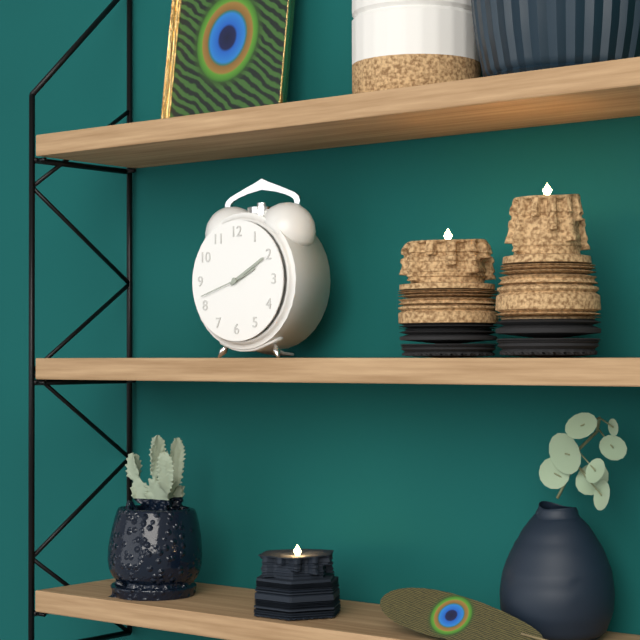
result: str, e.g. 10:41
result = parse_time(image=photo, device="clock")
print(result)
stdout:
2:10
